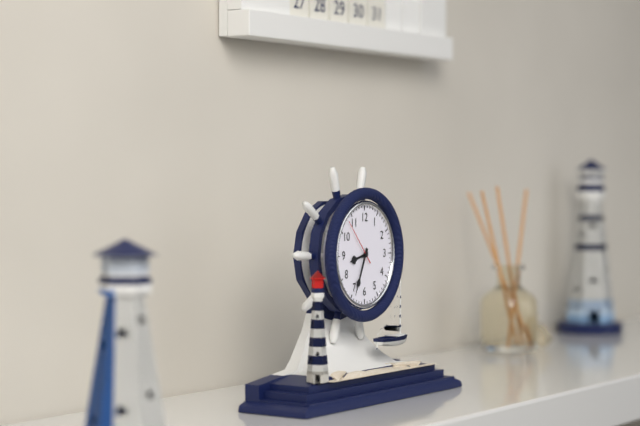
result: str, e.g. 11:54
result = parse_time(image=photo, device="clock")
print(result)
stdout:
8:34
